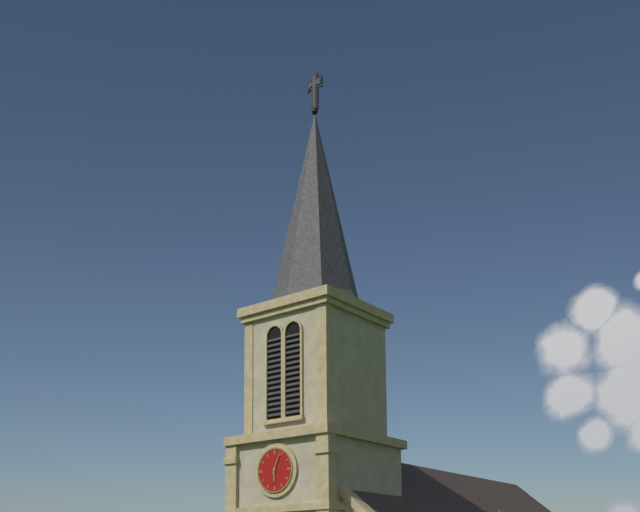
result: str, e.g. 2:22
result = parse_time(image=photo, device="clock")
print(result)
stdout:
6:04
